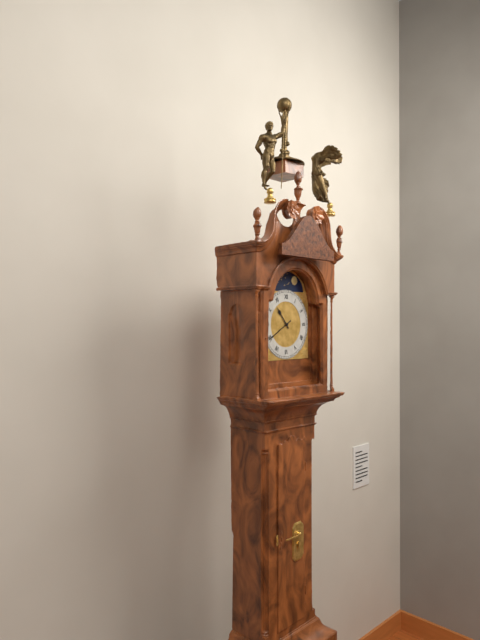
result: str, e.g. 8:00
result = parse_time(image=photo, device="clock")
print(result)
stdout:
10:40
